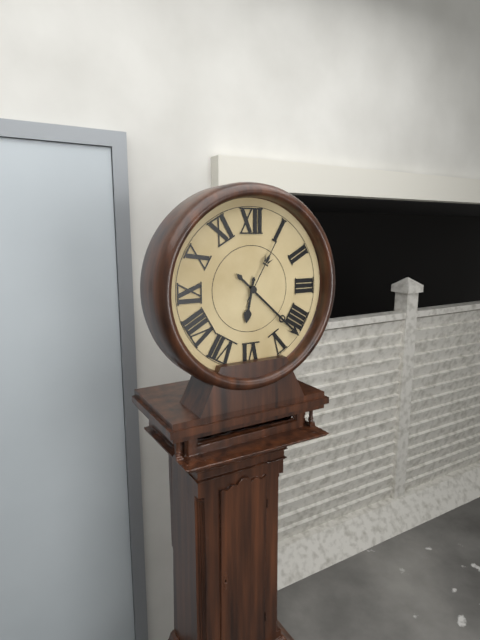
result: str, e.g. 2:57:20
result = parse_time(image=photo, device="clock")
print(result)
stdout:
6:22:05
